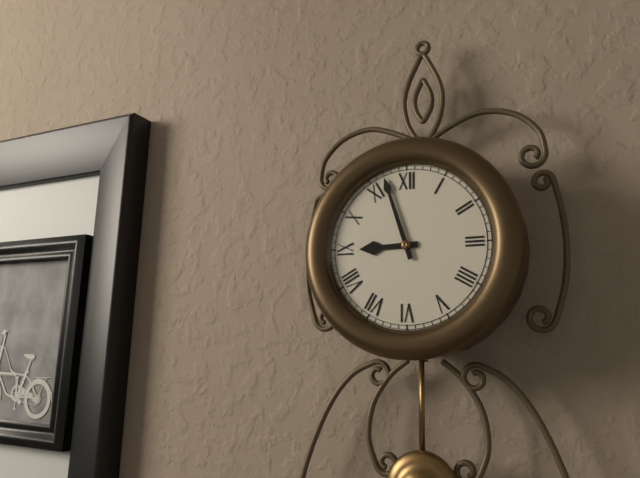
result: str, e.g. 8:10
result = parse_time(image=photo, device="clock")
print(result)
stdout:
8:57
